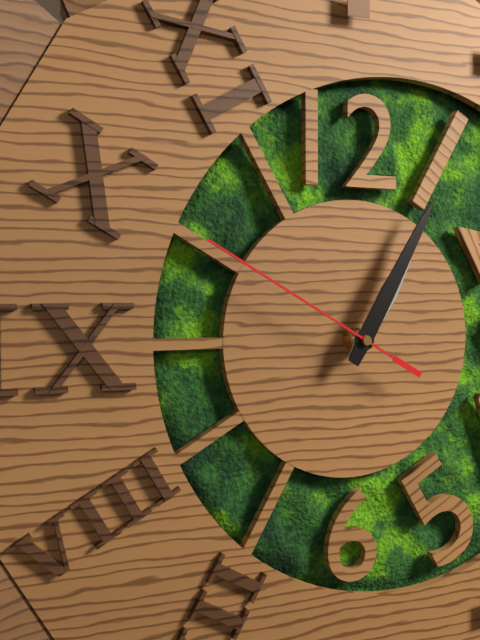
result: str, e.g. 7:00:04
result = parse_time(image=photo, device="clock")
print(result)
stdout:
1:05:50
